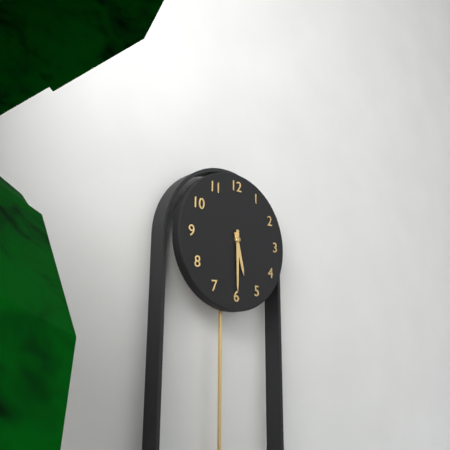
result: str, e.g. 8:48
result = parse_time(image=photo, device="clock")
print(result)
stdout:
5:30
